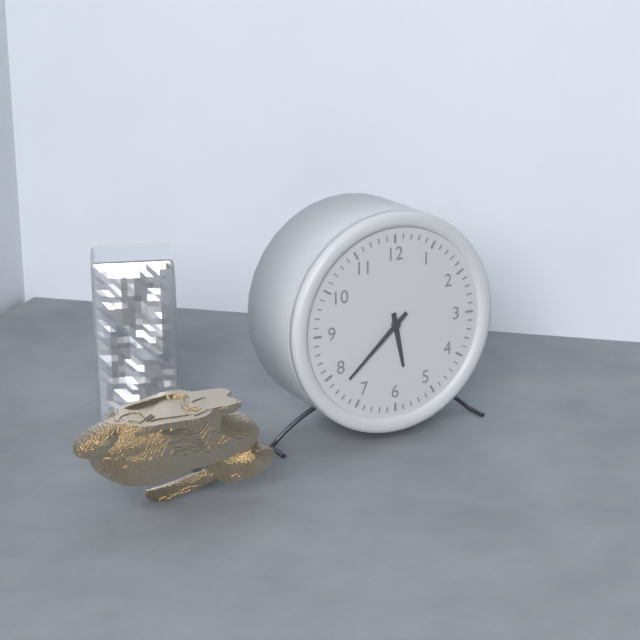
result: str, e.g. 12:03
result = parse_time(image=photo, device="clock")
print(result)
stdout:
5:38
